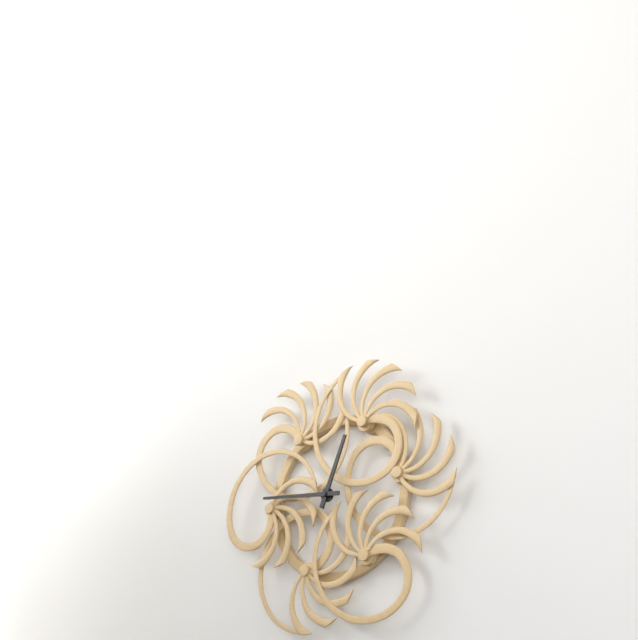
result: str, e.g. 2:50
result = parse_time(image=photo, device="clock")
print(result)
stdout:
12:46
